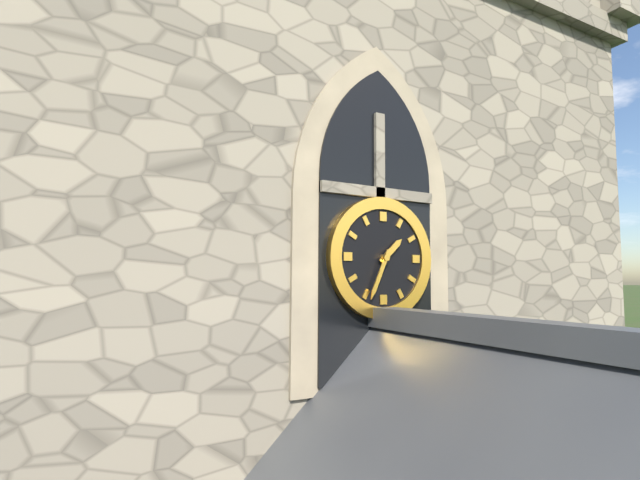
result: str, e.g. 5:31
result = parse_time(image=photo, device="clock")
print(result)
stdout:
1:34
